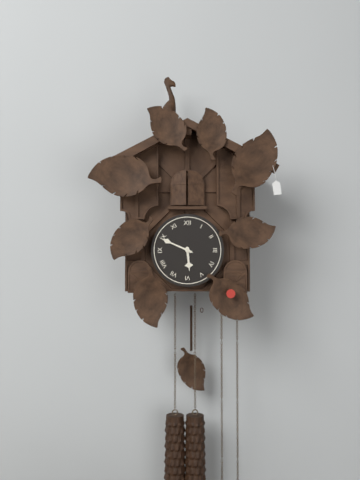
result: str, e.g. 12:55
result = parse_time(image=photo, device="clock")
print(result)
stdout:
5:49
